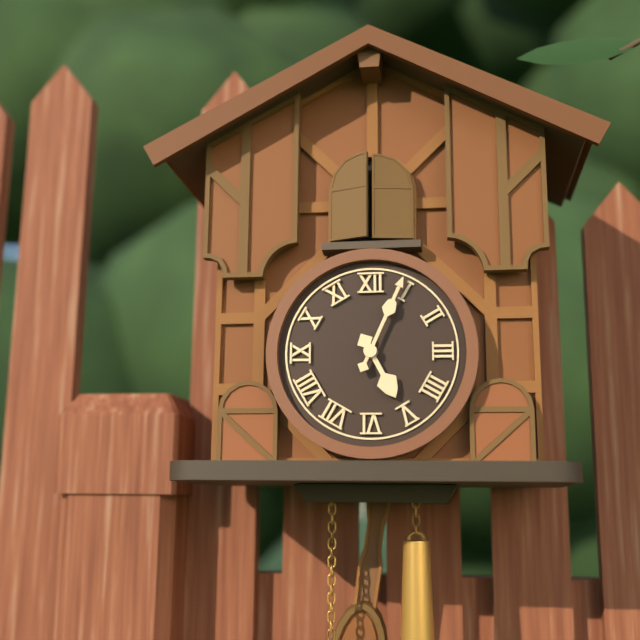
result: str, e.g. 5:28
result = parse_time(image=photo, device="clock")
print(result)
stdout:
5:04
